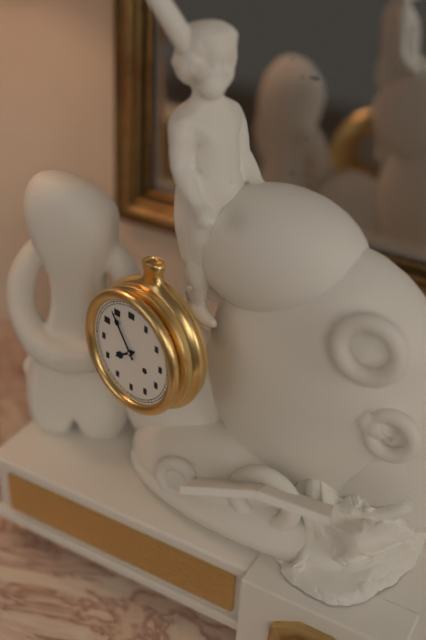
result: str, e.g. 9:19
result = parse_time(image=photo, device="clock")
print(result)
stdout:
7:54
